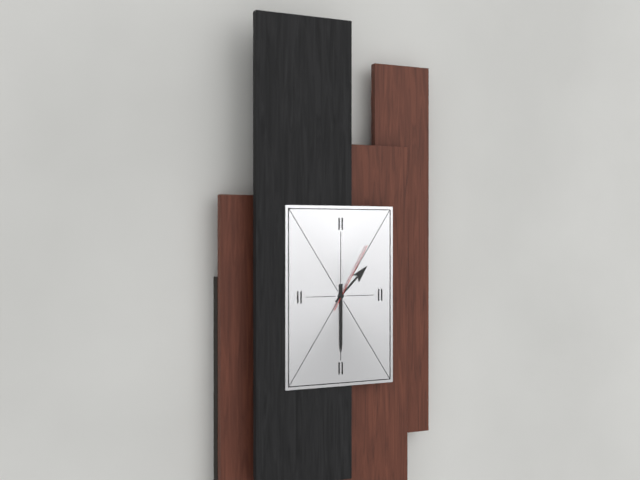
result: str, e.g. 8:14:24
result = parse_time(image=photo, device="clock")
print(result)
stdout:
1:30:05
